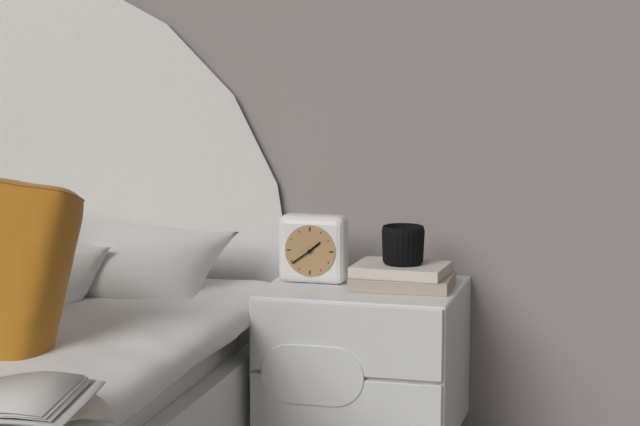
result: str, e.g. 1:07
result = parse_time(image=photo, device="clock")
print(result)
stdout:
1:39
